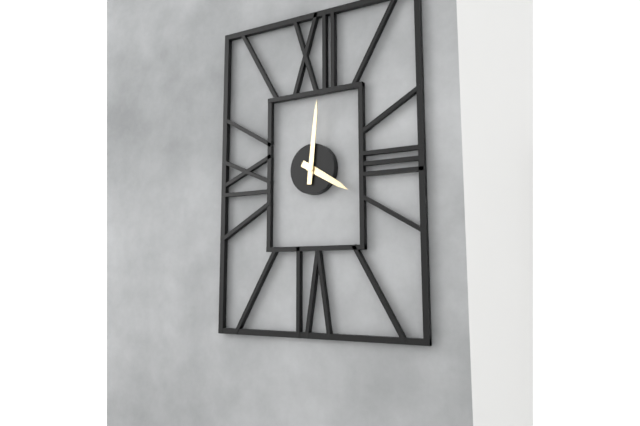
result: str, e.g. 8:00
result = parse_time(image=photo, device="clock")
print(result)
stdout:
4:01
